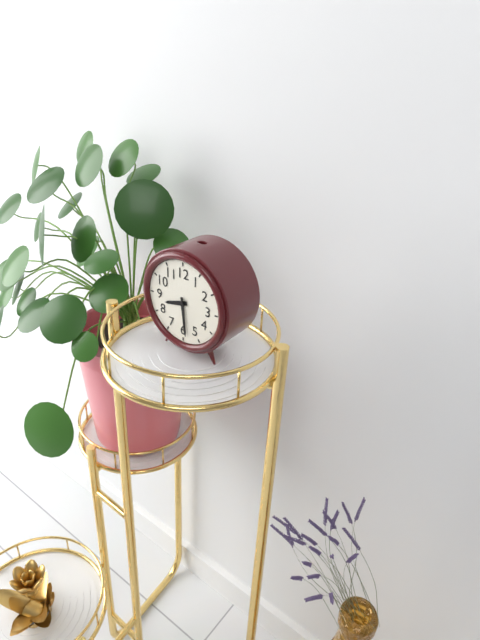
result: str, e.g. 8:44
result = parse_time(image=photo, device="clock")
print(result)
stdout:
8:29
